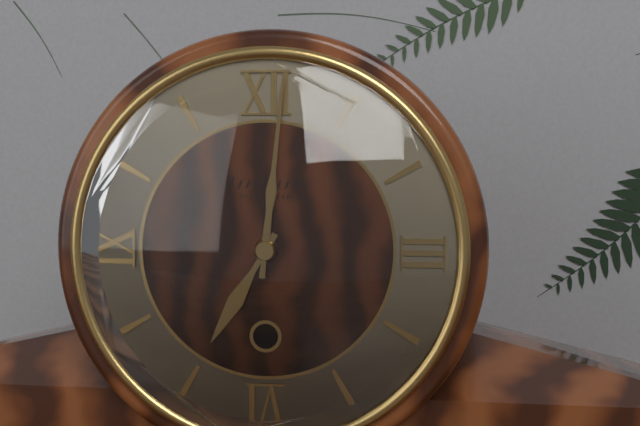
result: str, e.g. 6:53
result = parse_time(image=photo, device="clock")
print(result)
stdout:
7:01
